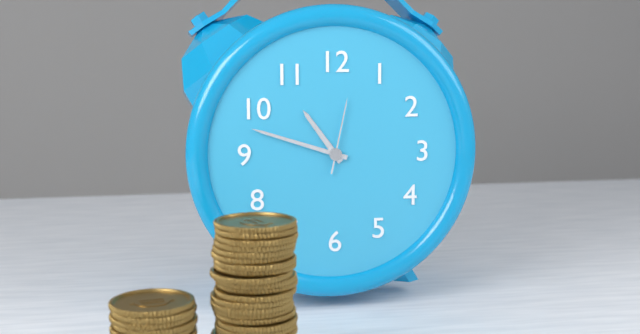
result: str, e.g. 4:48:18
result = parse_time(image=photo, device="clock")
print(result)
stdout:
10:48:02
